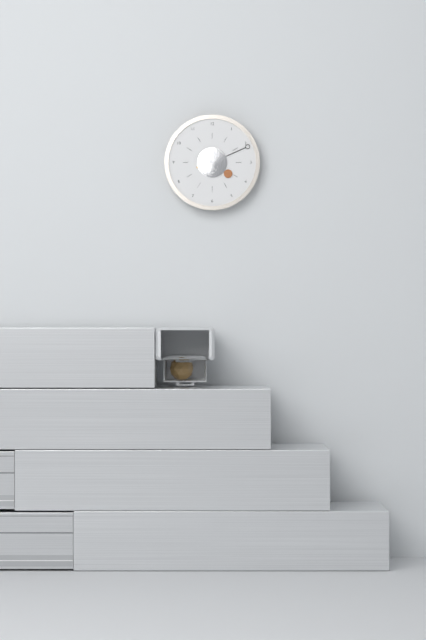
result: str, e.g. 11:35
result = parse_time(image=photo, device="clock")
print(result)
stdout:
4:11
